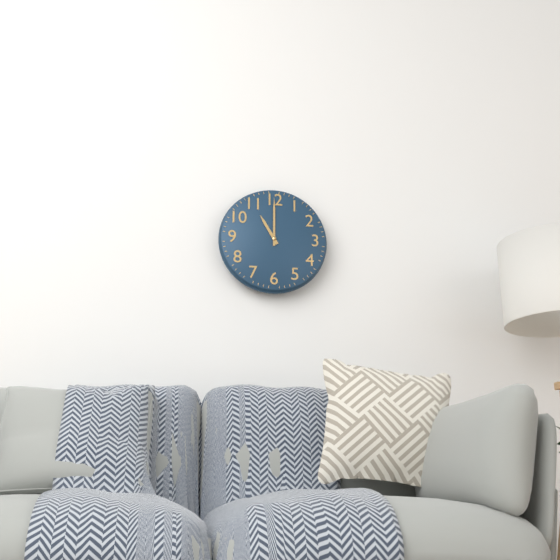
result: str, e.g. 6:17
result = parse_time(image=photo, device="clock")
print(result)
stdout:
11:00
